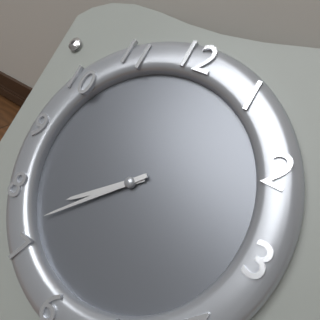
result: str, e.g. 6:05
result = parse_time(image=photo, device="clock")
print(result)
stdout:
7:37
